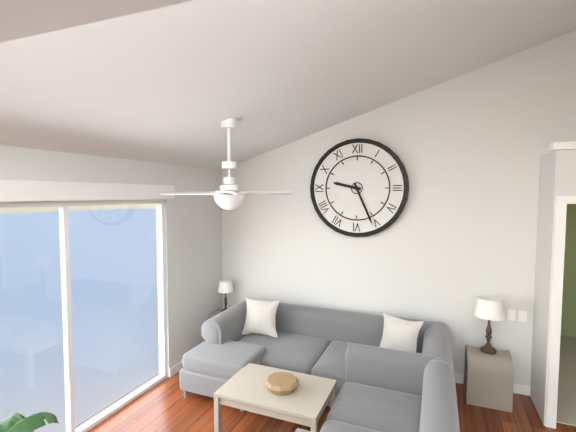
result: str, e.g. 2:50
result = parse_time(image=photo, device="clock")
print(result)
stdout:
9:26
